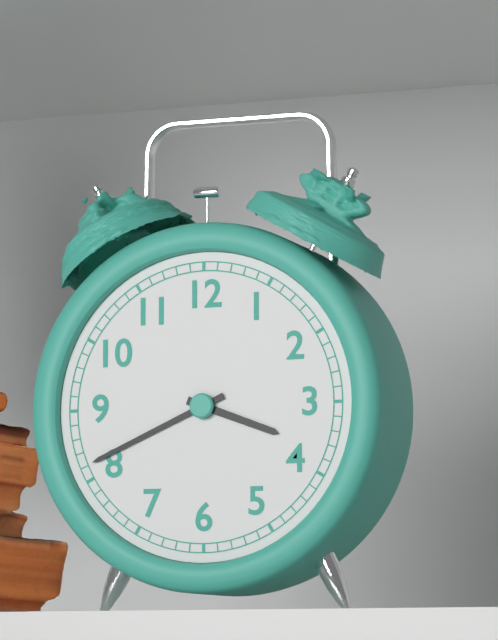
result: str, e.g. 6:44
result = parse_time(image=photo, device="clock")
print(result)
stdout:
3:41
